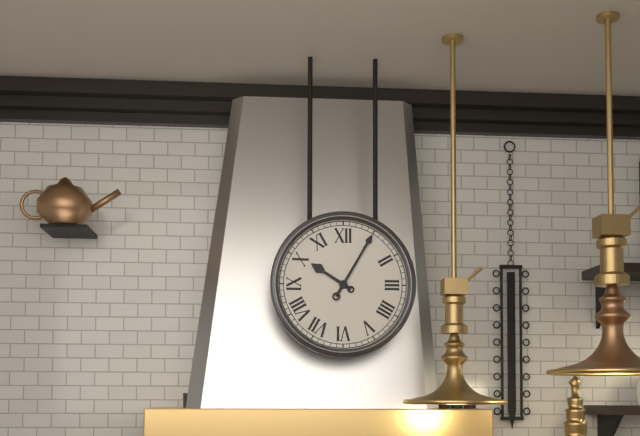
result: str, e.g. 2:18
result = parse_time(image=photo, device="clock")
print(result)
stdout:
10:05
